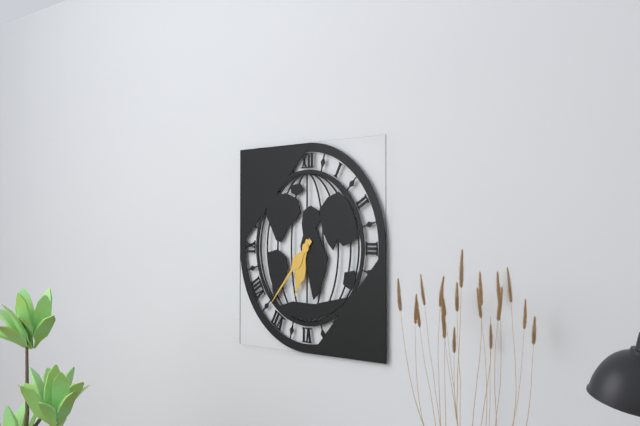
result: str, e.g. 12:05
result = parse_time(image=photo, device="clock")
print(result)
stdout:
6:37
